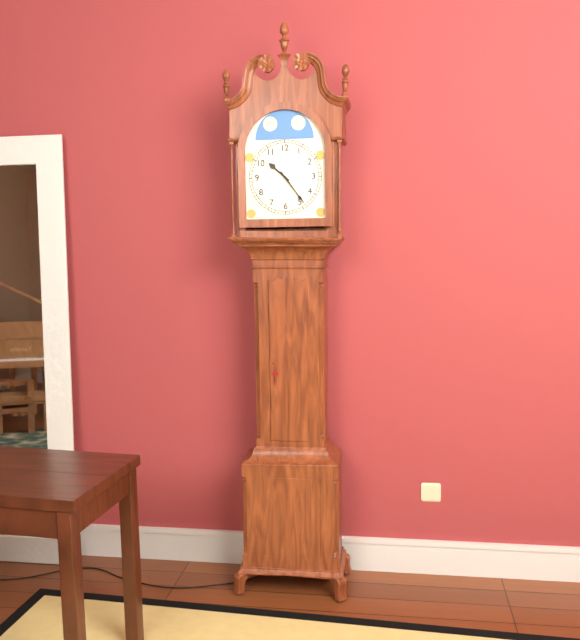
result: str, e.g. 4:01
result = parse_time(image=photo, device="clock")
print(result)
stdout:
10:24
